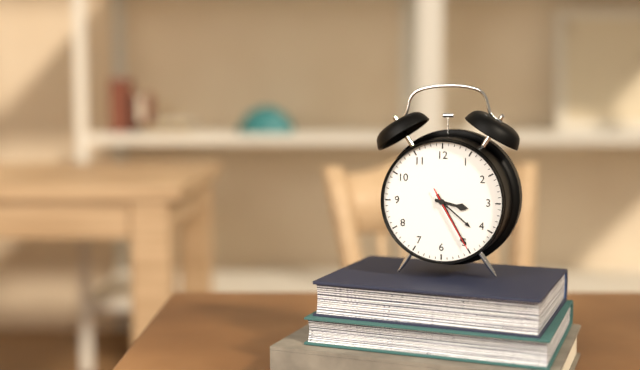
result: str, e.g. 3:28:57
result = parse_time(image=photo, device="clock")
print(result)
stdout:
3:25:25
